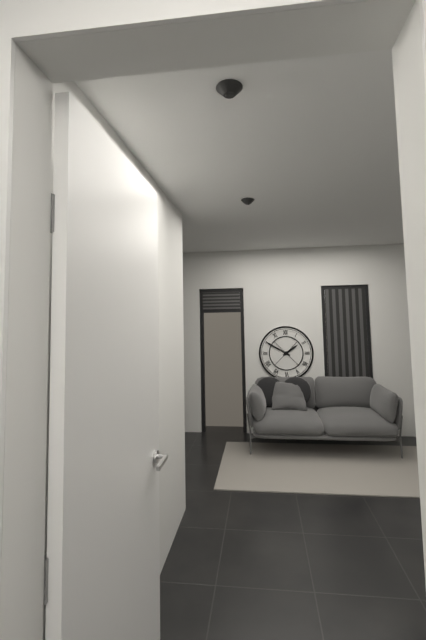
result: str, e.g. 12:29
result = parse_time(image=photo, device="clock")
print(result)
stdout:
1:50
